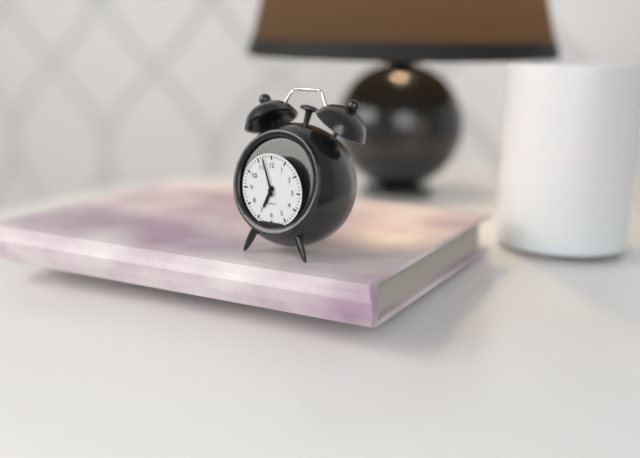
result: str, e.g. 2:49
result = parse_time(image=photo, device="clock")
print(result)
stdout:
6:57
